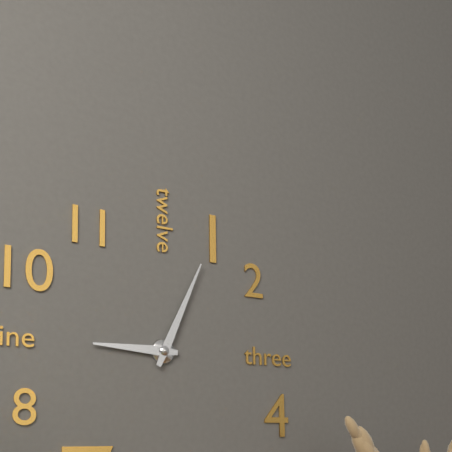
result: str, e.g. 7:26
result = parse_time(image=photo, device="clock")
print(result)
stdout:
9:04
